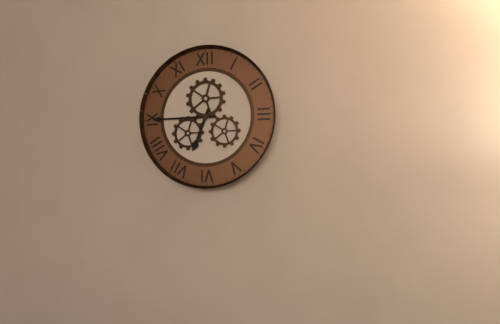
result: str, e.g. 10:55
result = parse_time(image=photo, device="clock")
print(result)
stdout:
6:45
